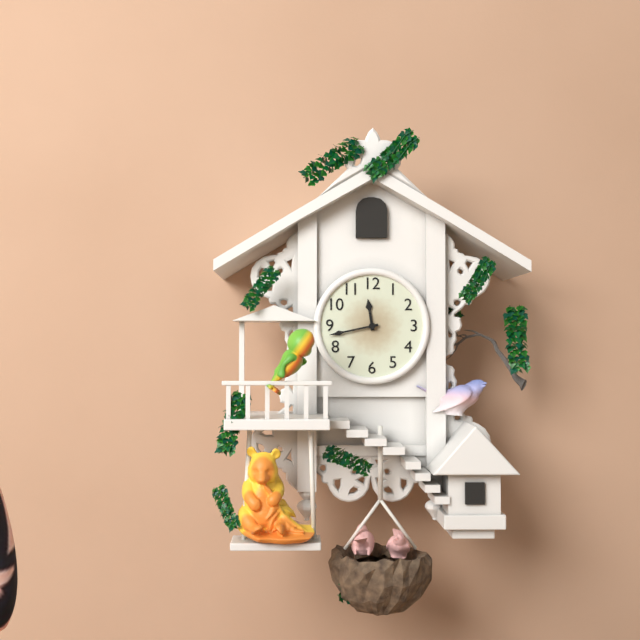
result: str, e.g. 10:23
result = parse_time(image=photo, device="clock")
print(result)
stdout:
11:43
